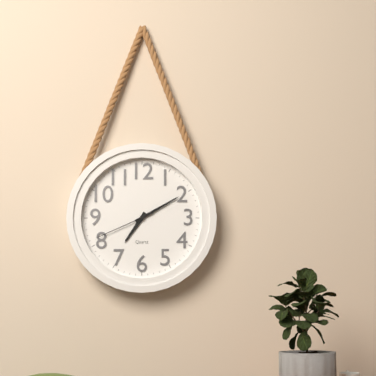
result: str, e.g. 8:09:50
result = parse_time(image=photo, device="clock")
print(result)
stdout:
7:10:41
